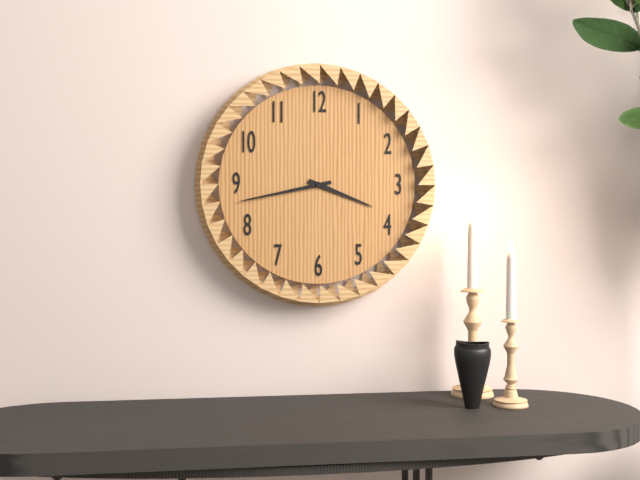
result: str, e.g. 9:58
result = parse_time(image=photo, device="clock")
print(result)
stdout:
3:43
